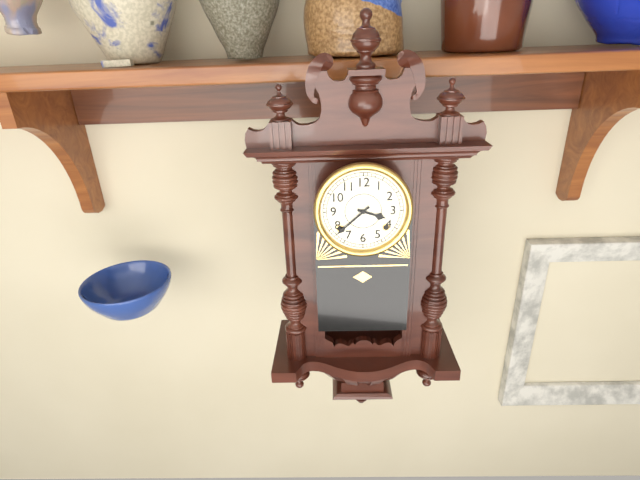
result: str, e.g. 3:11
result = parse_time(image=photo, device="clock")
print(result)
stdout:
3:38
